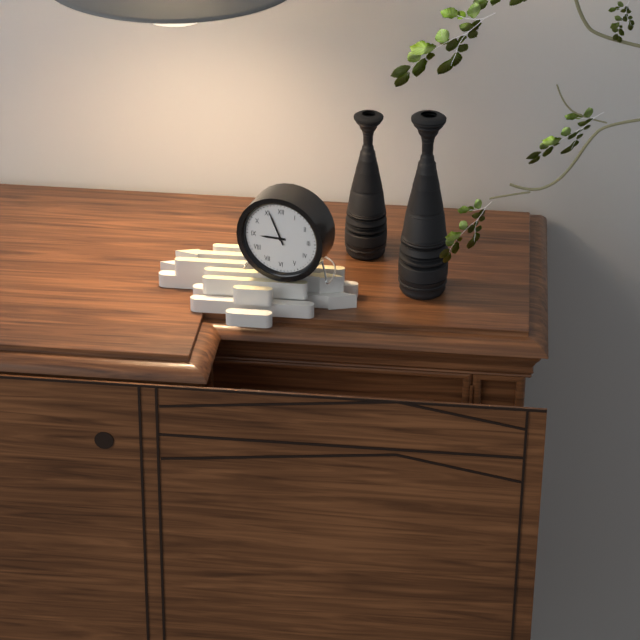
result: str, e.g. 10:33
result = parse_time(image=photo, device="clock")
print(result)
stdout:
8:56
